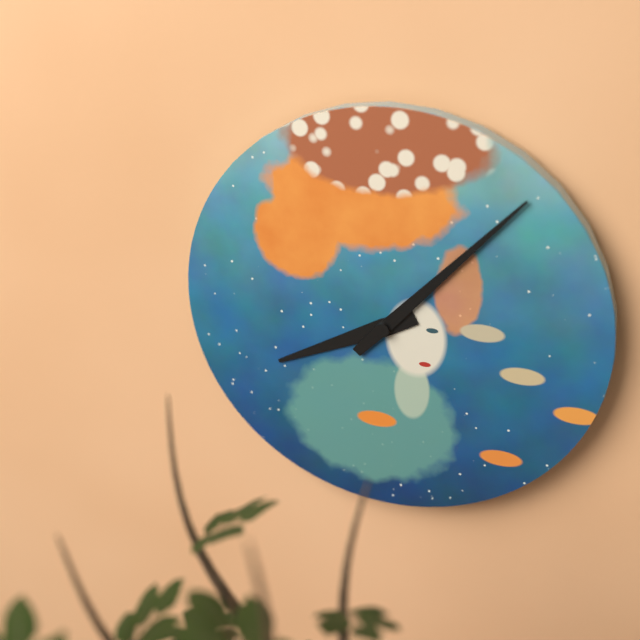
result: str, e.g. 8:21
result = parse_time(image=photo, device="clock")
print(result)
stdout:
8:07
